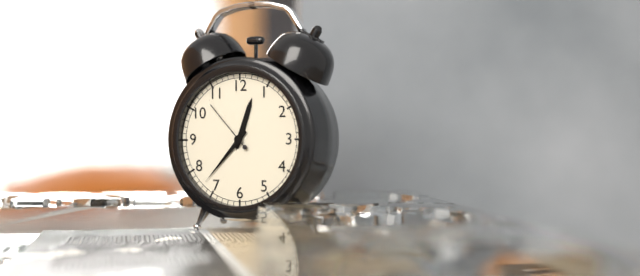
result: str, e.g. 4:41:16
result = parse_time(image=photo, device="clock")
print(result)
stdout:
12:37:53
